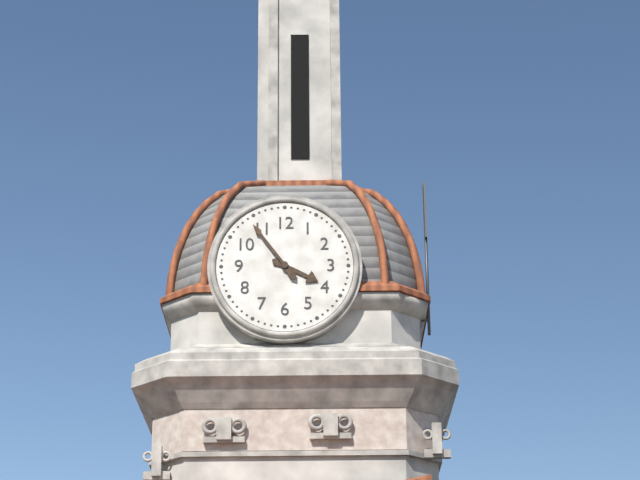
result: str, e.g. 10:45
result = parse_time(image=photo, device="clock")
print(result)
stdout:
3:54
